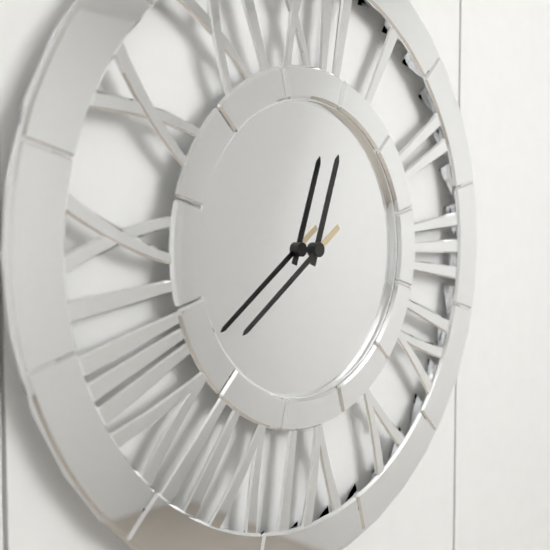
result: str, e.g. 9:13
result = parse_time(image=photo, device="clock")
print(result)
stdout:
12:39
